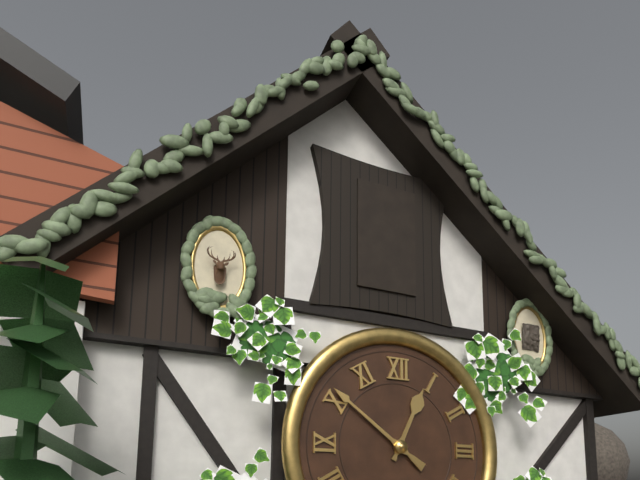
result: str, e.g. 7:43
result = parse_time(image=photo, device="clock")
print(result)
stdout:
12:51
